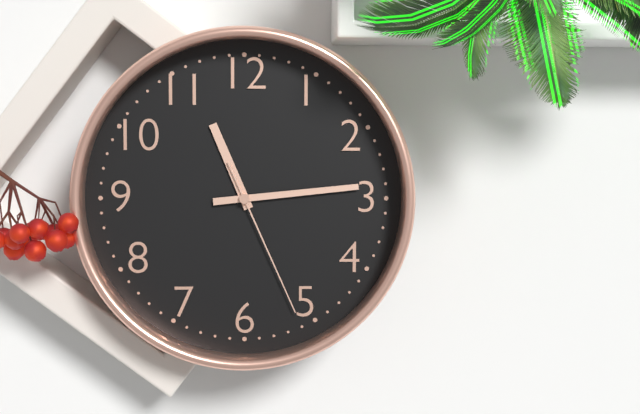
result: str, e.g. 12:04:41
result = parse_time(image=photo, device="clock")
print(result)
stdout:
11:14:26
